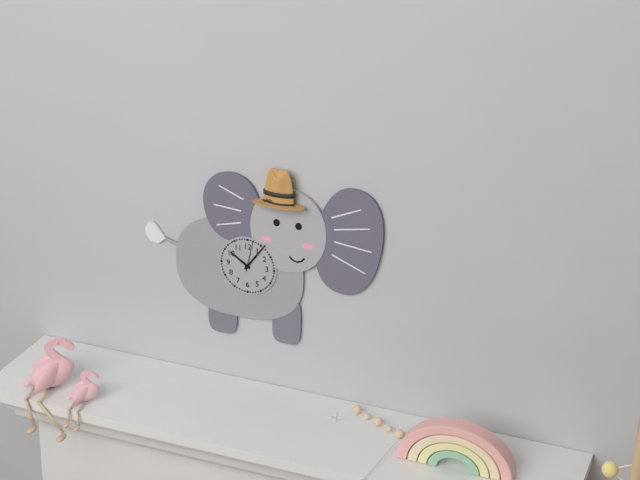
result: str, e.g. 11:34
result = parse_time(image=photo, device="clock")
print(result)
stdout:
10:06
